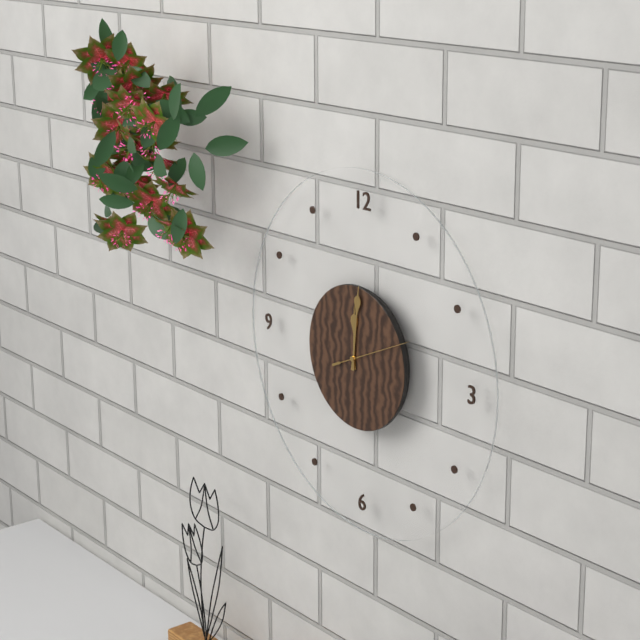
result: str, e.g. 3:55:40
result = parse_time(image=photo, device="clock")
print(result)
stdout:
12:01:11
